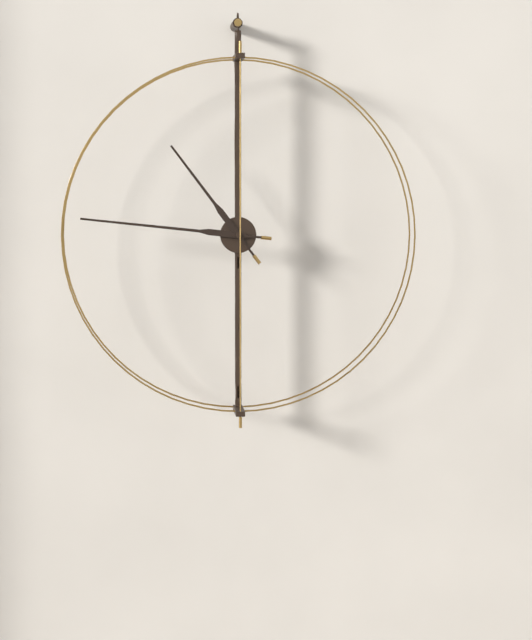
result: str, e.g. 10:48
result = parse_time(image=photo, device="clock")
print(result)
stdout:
10:46
